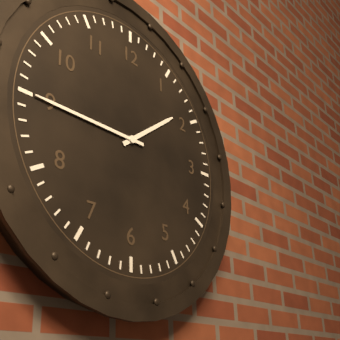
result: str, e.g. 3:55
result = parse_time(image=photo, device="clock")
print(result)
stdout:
1:45
